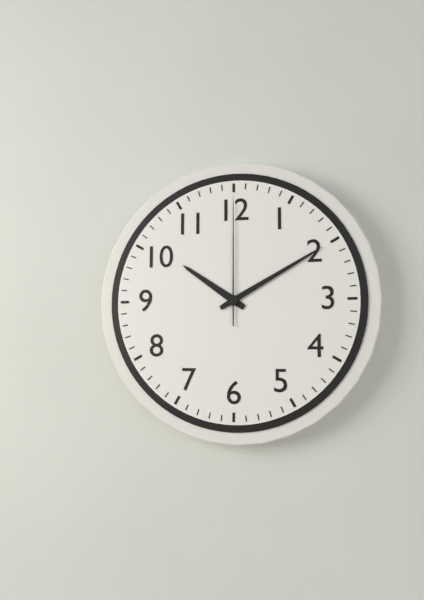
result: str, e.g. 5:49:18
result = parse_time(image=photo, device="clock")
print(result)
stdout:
10:10:00
